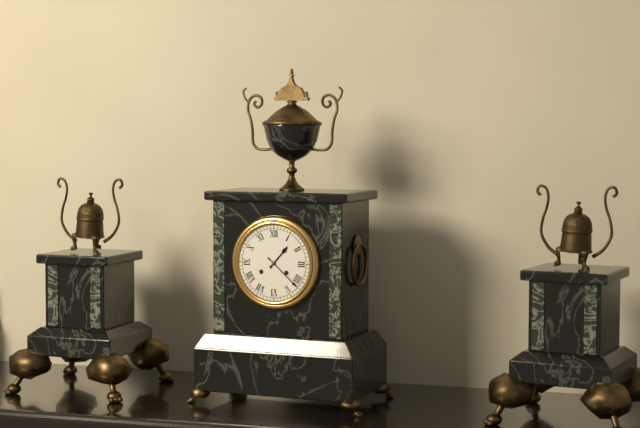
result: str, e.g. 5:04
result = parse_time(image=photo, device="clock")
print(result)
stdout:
1:22
